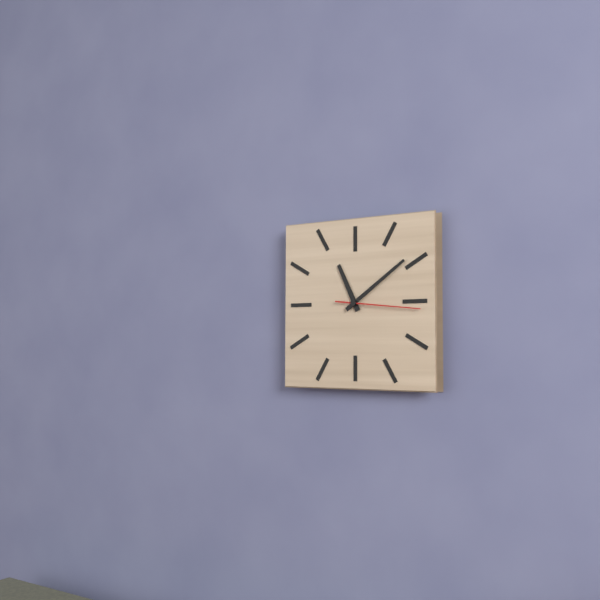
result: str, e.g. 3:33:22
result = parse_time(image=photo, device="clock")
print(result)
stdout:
11:09:16
